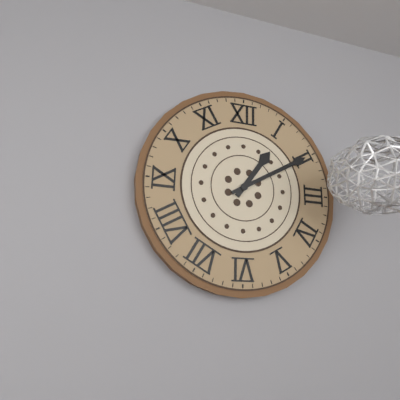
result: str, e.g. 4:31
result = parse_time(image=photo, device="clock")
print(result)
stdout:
1:10
